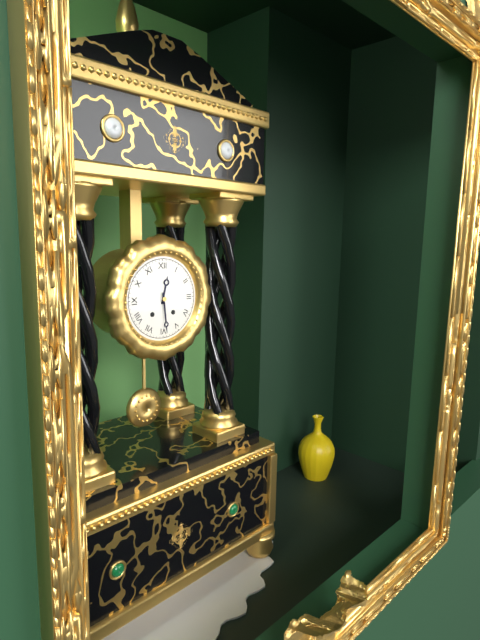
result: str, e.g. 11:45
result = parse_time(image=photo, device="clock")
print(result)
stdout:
12:29
